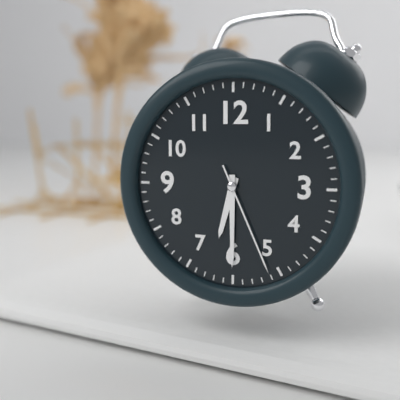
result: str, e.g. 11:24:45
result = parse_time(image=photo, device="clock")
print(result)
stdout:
6:30:26
